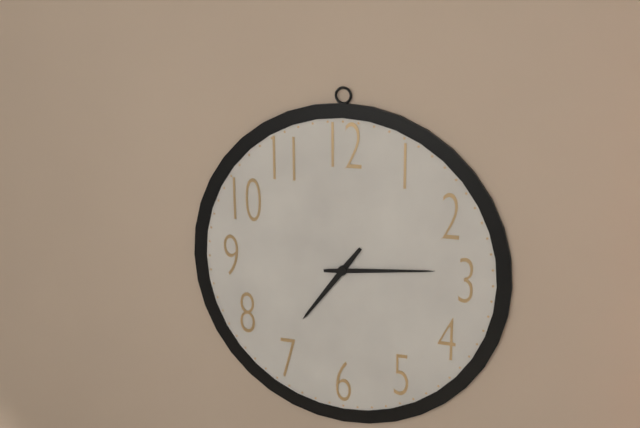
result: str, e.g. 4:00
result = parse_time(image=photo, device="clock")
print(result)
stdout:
7:14
